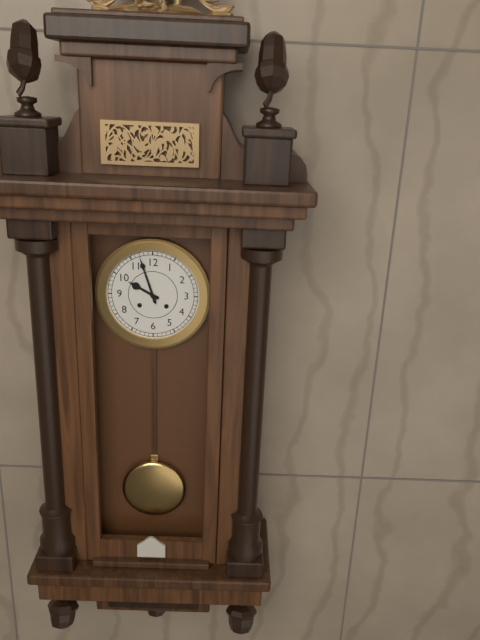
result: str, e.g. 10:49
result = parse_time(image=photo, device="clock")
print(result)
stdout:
9:57
